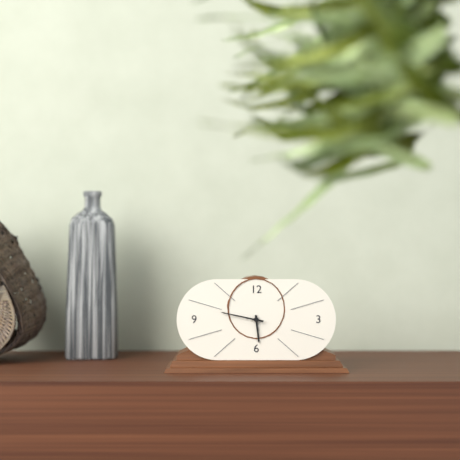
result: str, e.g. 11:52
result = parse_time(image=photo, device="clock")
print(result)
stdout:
5:47
